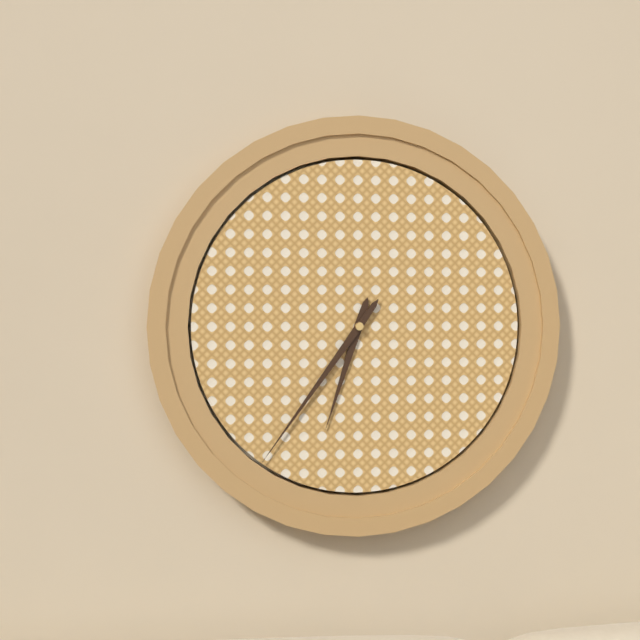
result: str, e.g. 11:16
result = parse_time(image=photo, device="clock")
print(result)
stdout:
6:36
